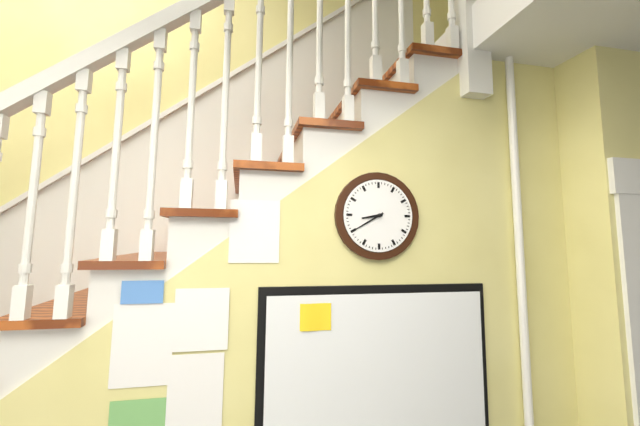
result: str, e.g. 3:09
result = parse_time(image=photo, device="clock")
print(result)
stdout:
8:40
